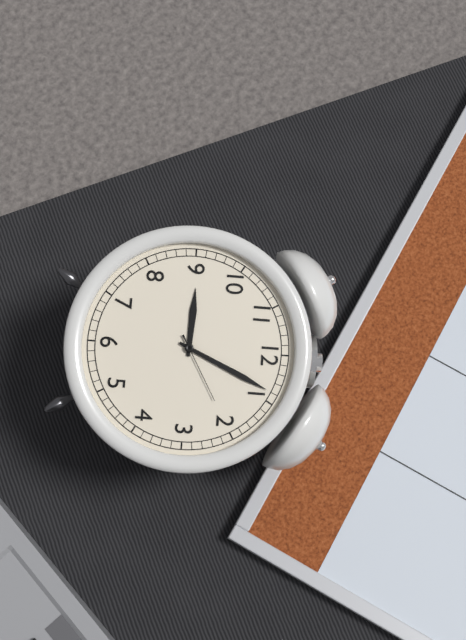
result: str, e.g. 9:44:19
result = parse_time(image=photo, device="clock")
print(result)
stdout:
9:04:10
